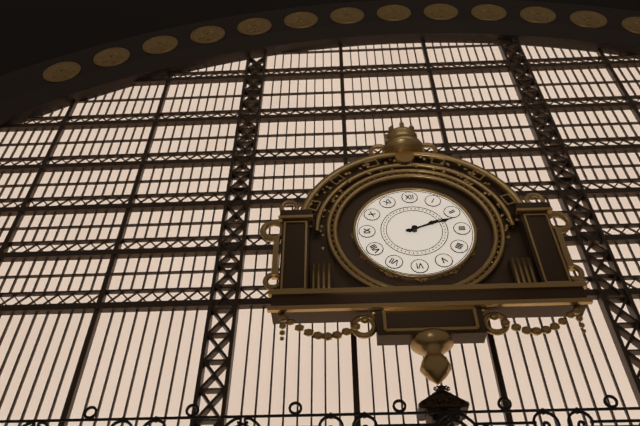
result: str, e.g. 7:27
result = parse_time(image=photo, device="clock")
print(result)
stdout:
2:12
